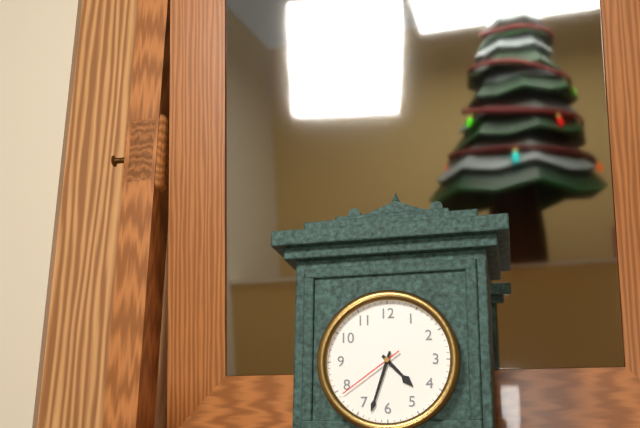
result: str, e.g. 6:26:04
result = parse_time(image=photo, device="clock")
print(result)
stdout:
4:33:39
